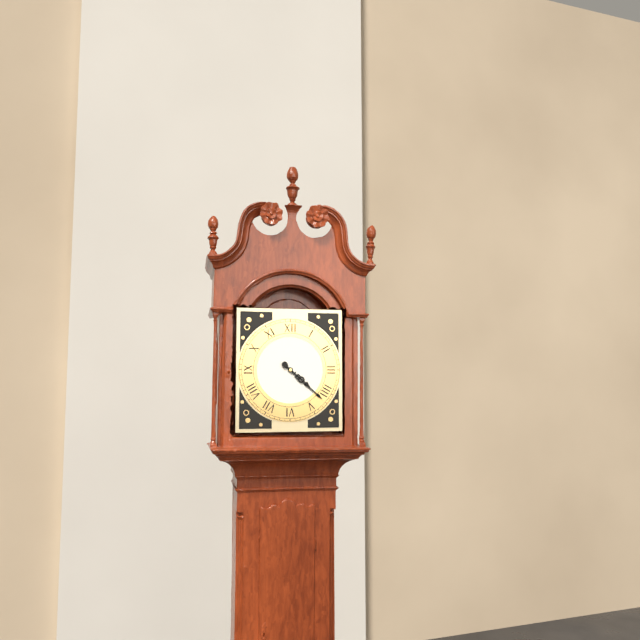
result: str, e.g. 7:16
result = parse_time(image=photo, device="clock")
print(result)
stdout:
4:22
